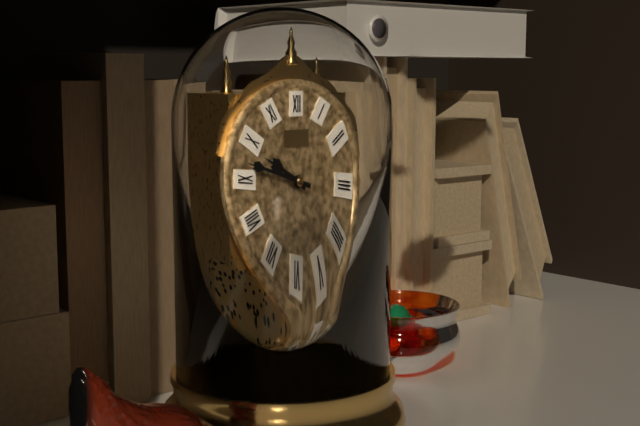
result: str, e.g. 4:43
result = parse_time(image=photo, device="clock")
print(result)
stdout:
9:47
